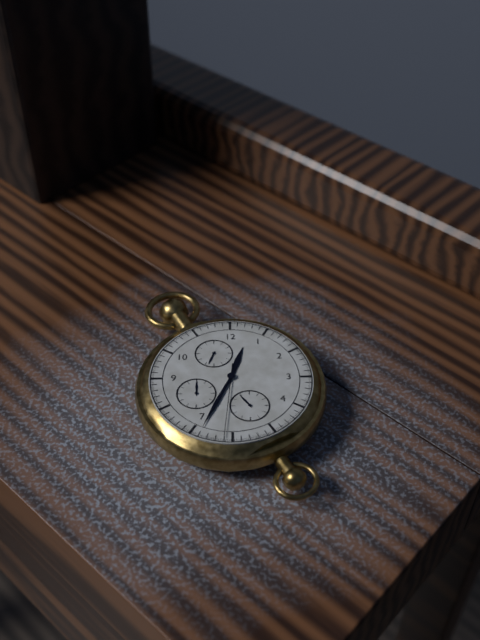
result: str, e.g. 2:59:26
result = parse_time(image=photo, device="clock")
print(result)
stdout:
12:34:31
